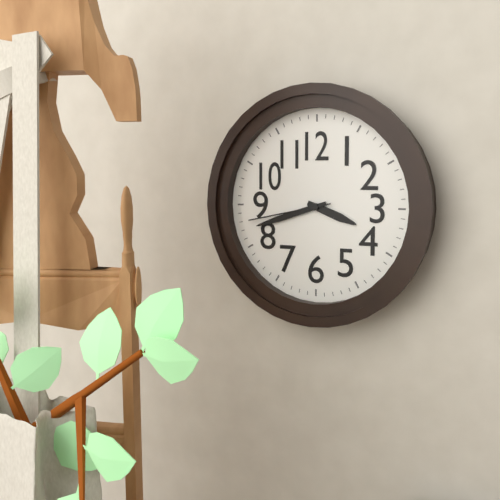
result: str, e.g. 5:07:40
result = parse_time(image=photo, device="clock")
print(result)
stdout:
3:42:43
